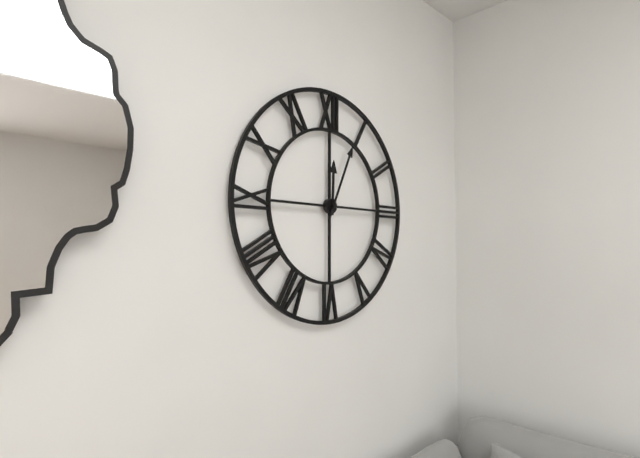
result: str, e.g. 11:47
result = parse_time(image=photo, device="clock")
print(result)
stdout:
12:04
